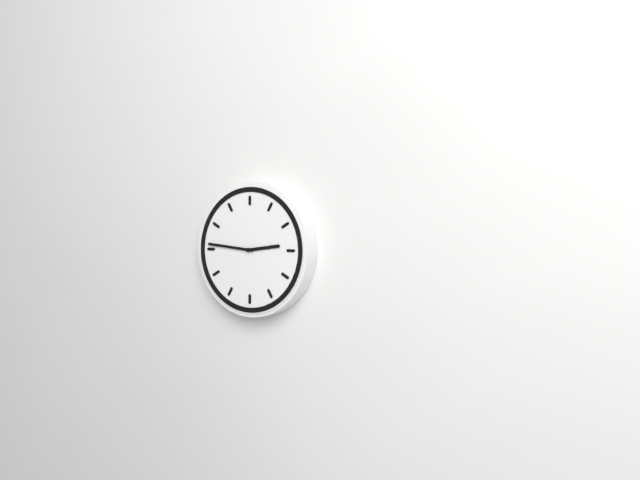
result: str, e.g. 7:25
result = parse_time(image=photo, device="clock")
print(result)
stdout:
2:46
